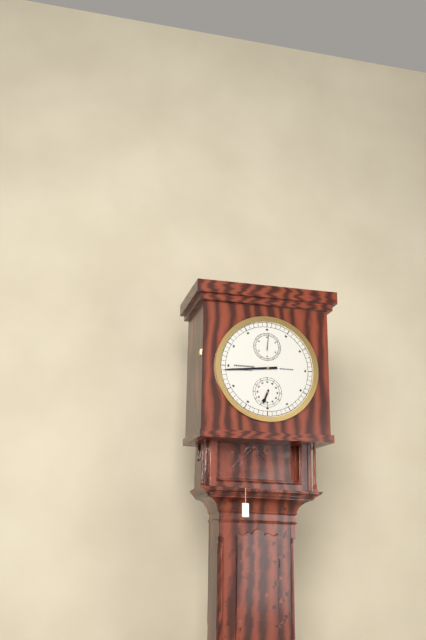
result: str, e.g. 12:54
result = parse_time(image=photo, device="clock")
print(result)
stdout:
6:44
